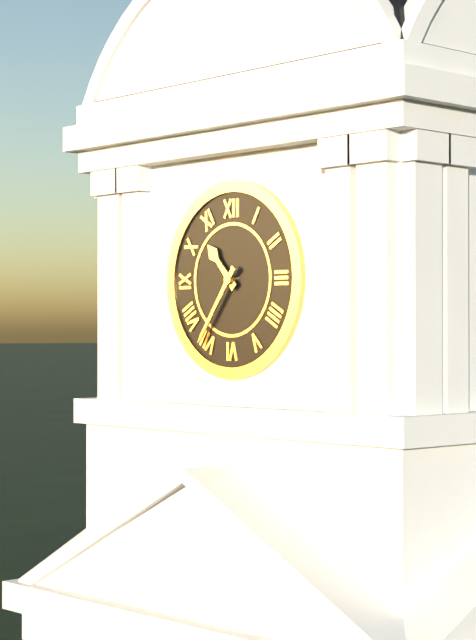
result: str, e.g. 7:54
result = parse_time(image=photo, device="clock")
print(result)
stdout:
10:36
